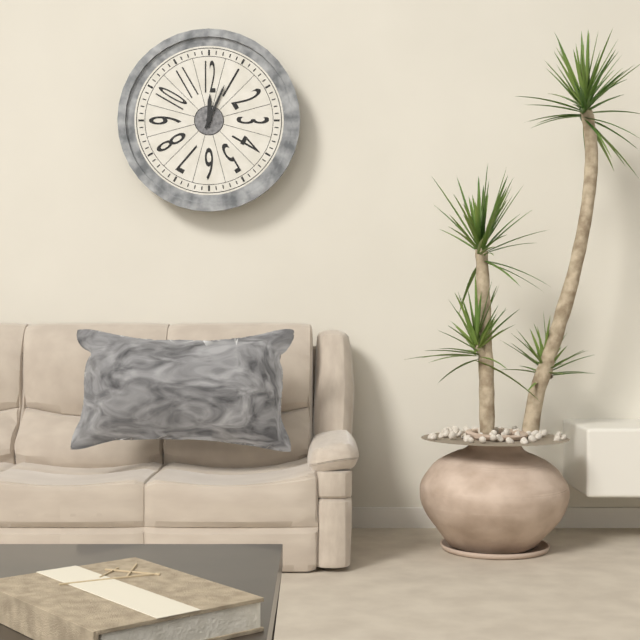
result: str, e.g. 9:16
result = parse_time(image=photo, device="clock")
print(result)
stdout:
12:04
